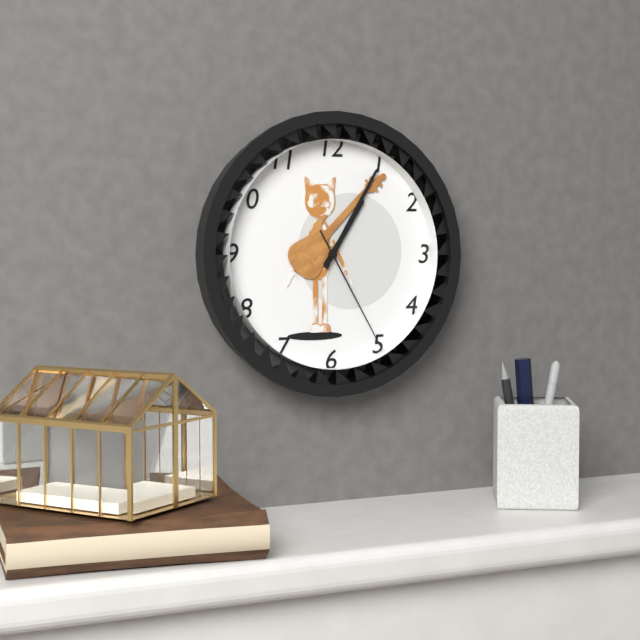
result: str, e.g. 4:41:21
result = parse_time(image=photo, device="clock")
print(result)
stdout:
1:05:25
